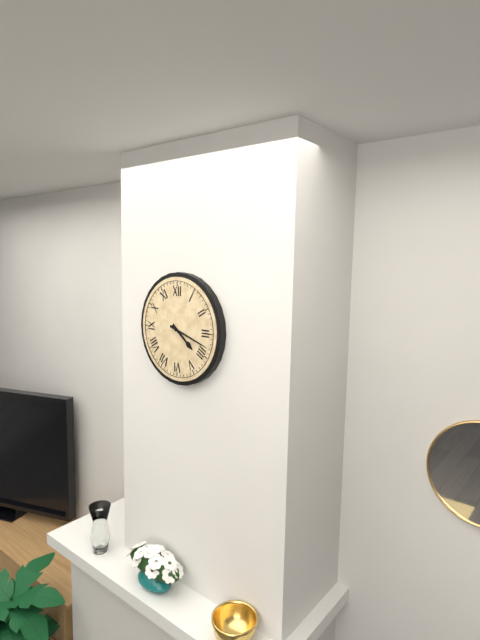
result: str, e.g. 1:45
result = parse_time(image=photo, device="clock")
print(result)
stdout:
4:18
